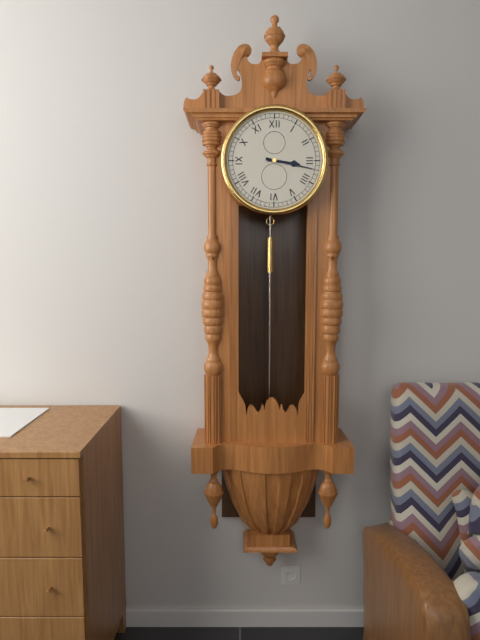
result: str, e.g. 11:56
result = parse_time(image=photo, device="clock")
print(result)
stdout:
3:17
